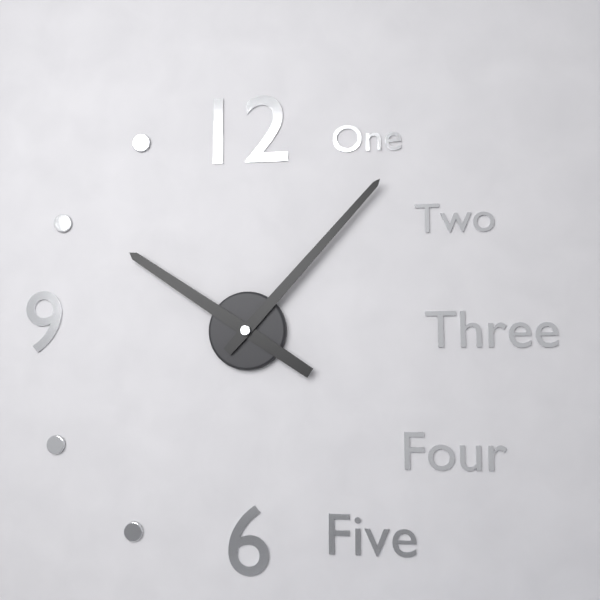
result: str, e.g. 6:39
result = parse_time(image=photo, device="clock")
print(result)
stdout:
10:07
